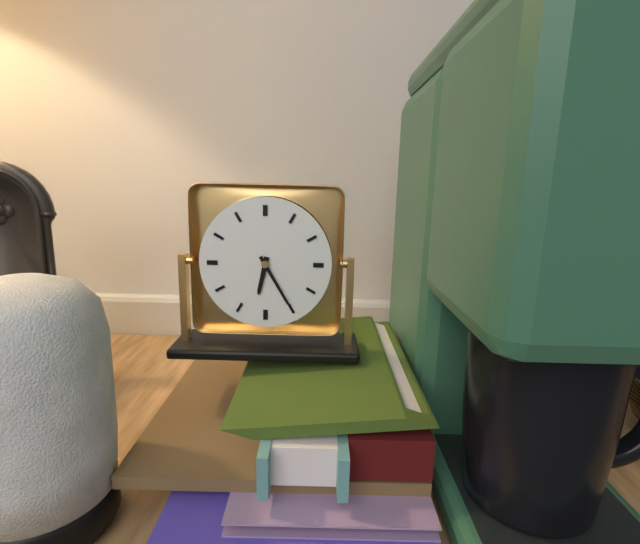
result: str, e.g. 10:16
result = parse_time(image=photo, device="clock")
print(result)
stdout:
6:25
